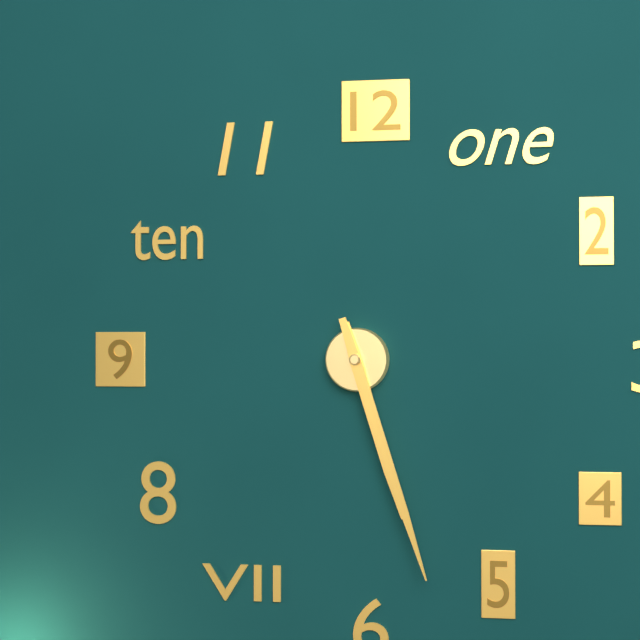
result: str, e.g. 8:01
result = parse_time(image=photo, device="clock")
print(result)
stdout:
5:27
